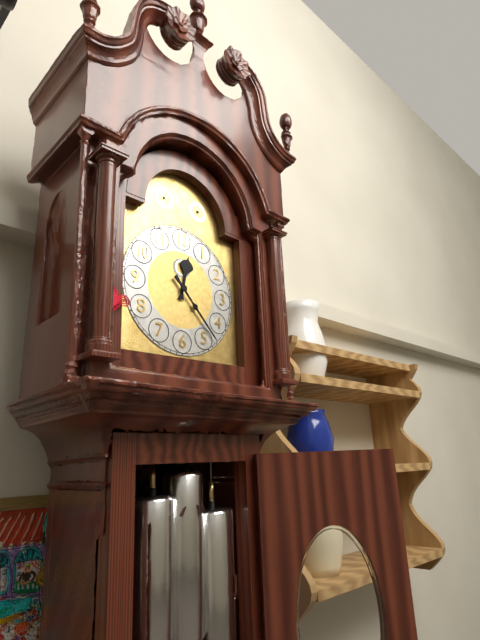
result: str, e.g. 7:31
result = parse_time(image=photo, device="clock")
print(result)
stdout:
12:23
